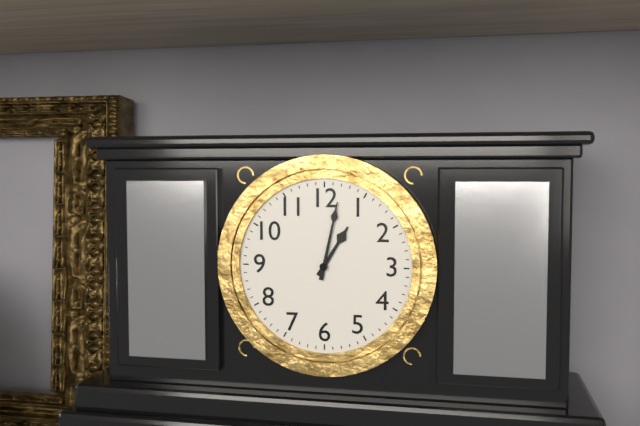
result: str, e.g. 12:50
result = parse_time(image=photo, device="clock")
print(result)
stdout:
1:02
